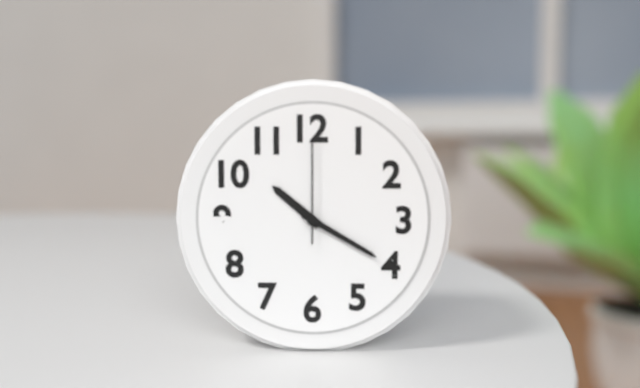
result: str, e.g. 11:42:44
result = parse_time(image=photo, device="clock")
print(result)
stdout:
10:20:00
